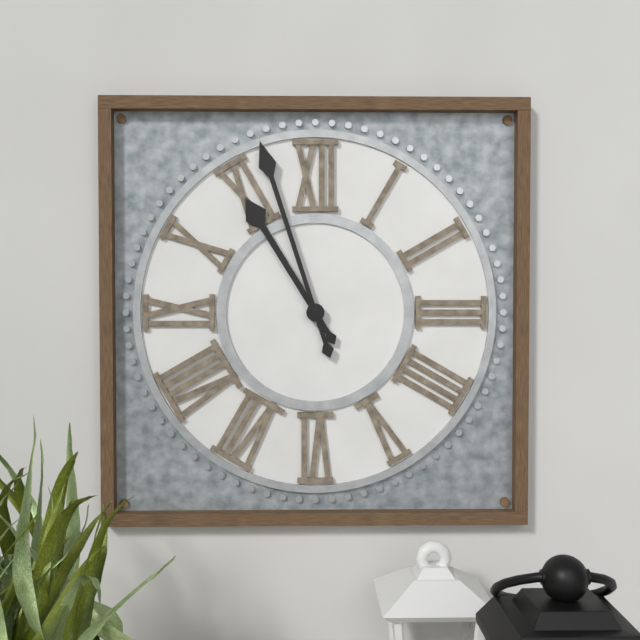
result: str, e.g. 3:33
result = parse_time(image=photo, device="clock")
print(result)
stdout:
10:57
